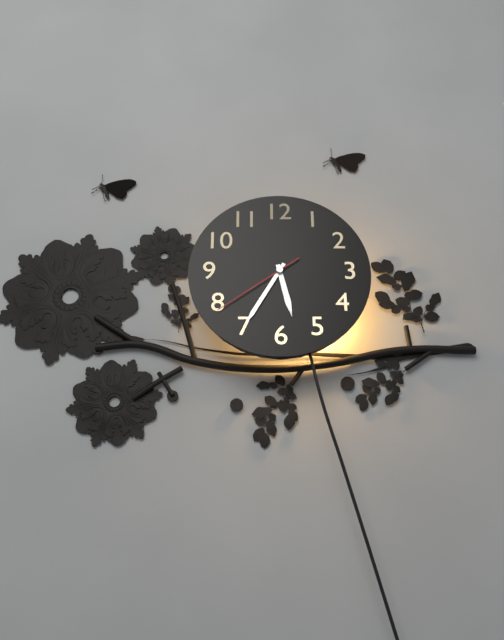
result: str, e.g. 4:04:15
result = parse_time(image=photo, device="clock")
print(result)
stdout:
5:35:39
